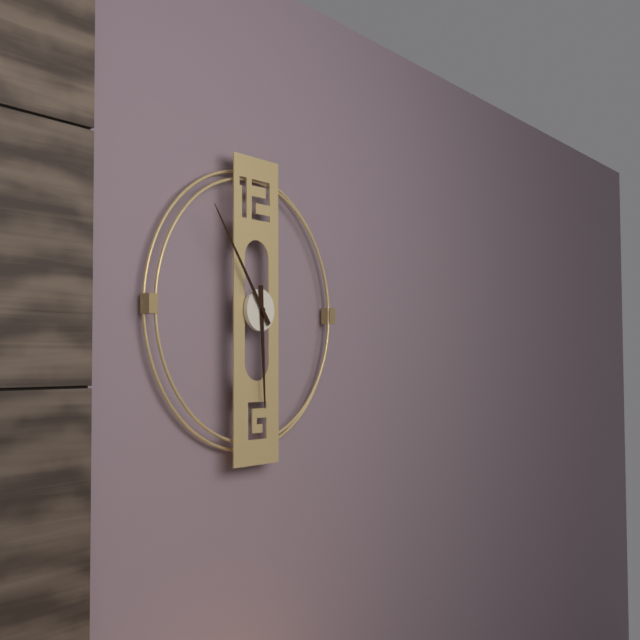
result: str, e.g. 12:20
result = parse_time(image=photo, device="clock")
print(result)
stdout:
5:54
